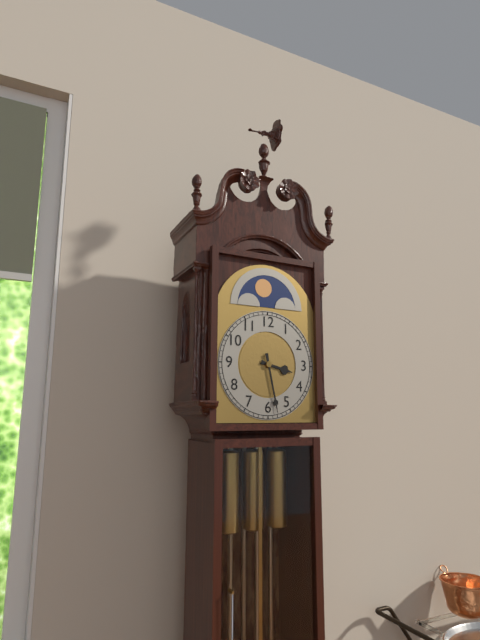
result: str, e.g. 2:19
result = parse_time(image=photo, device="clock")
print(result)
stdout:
3:28
